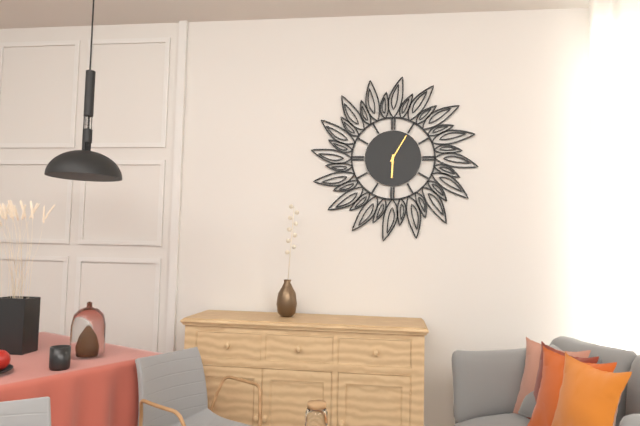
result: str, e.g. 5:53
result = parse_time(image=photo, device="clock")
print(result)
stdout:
6:05
